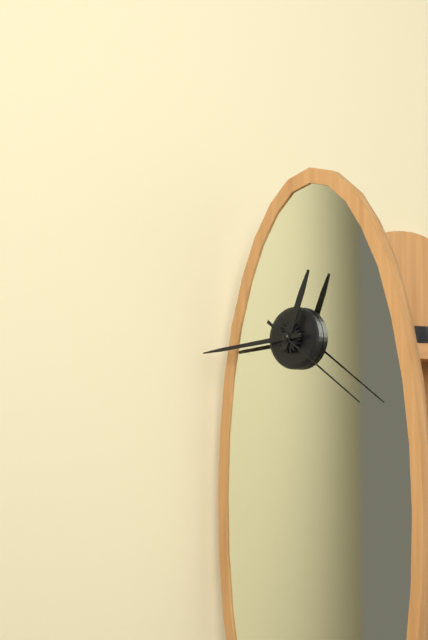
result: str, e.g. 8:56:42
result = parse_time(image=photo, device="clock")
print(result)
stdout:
12:44:21
